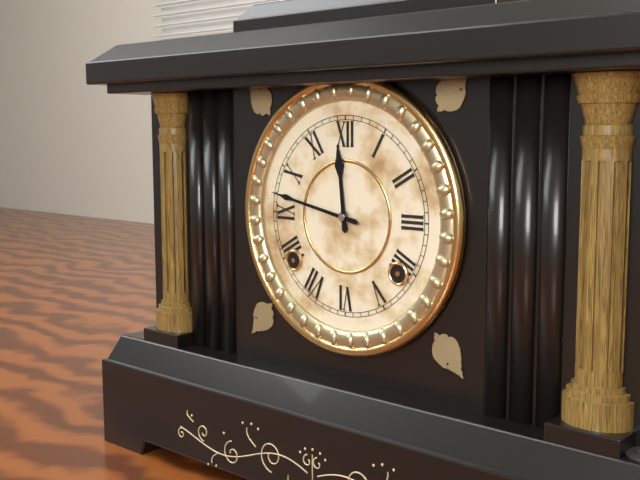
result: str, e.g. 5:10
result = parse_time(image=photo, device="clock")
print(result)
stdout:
11:47
